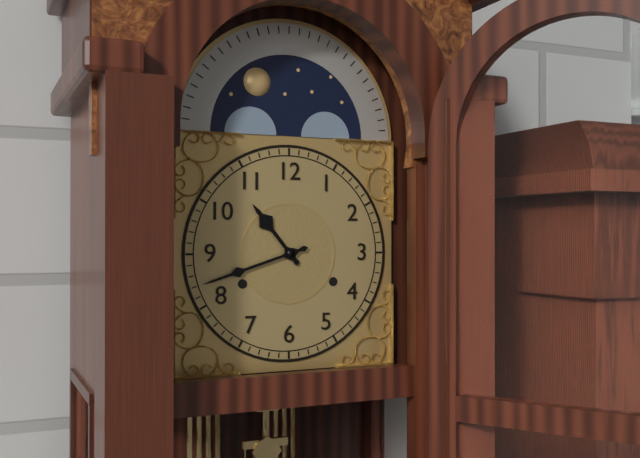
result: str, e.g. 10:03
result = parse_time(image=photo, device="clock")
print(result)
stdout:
10:42
